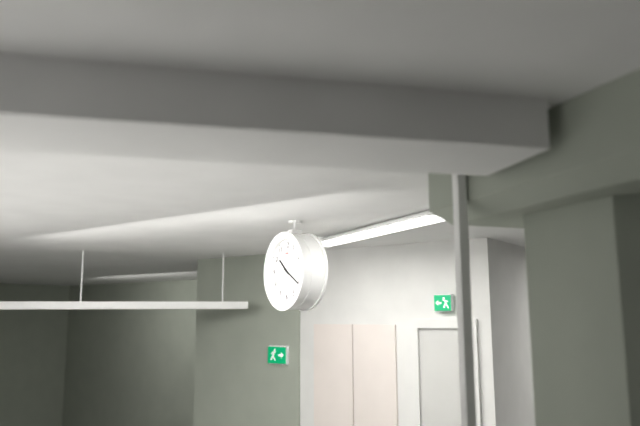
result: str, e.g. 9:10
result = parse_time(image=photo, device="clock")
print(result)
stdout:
10:20
